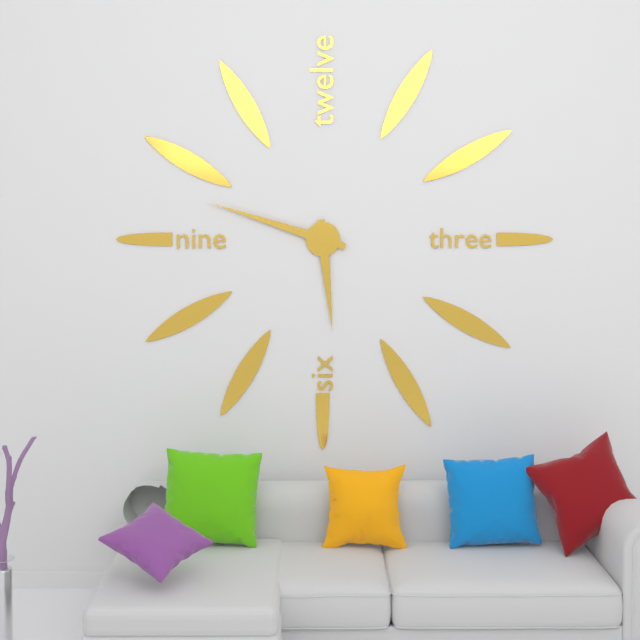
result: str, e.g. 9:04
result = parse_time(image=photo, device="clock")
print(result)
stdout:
5:48
